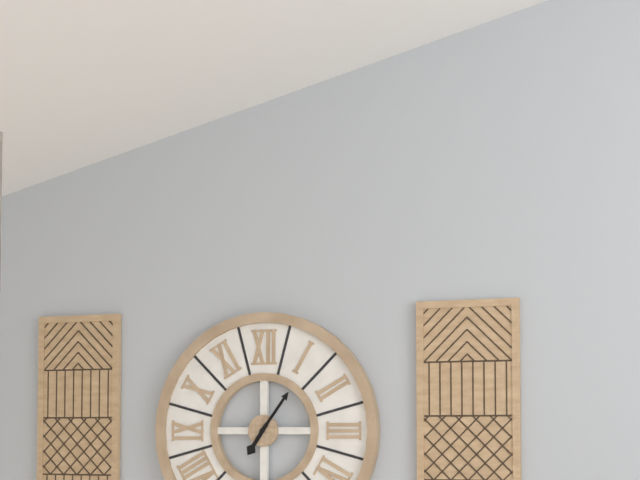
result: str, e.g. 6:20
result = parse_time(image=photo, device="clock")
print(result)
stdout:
7:06
